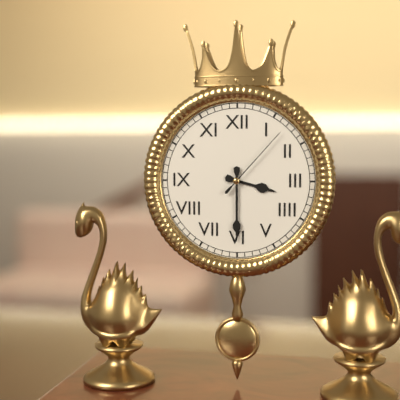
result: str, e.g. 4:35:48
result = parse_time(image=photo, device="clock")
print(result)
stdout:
3:30:07
